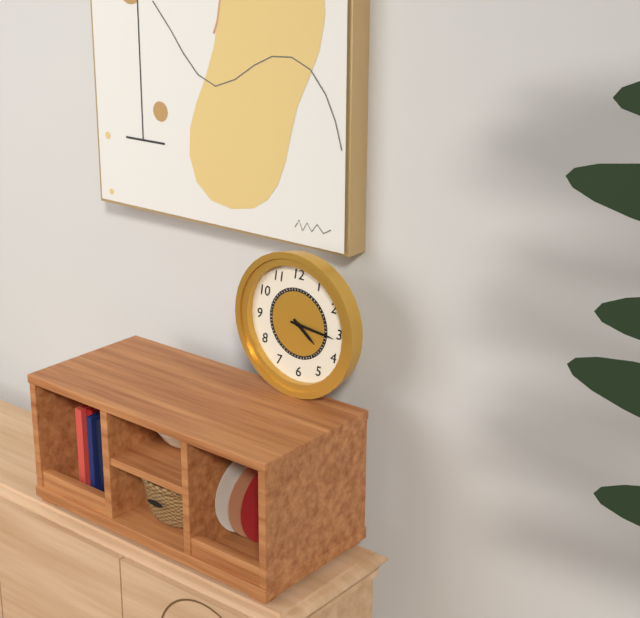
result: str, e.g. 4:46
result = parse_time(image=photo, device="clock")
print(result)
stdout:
4:16
